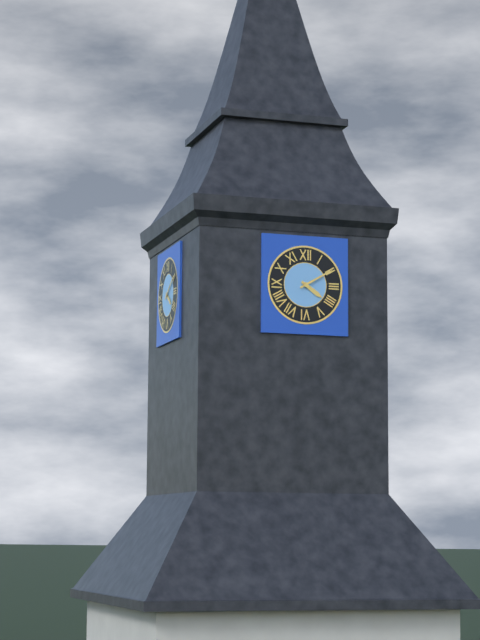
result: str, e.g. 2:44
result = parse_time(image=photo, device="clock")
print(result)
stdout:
4:10
